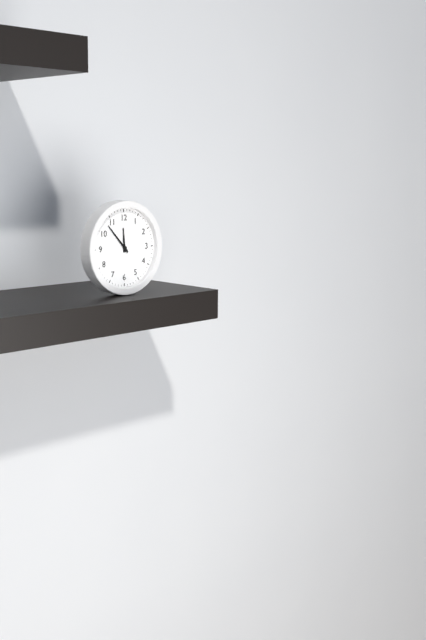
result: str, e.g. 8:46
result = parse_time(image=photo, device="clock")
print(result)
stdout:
11:53
